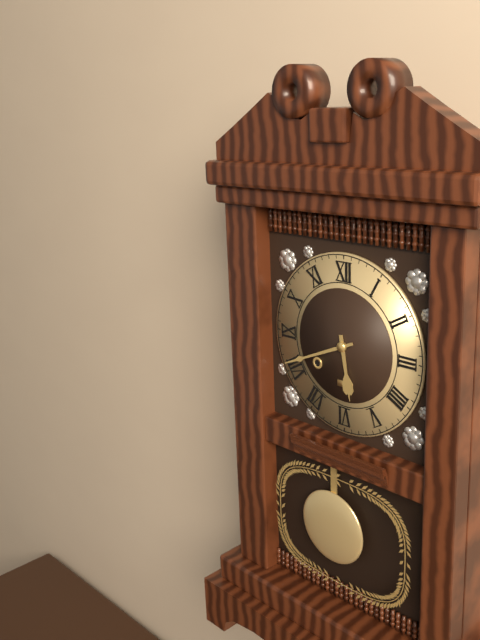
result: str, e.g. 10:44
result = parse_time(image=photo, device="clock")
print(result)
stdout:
5:41
